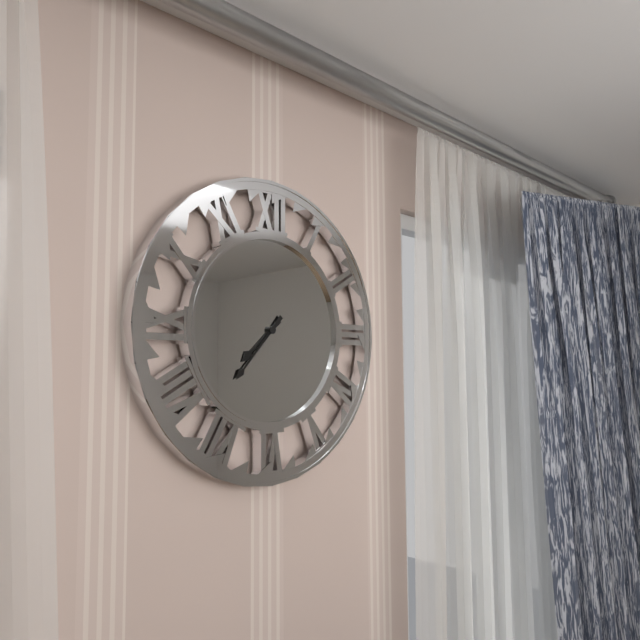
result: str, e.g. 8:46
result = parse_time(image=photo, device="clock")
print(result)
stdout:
7:37
